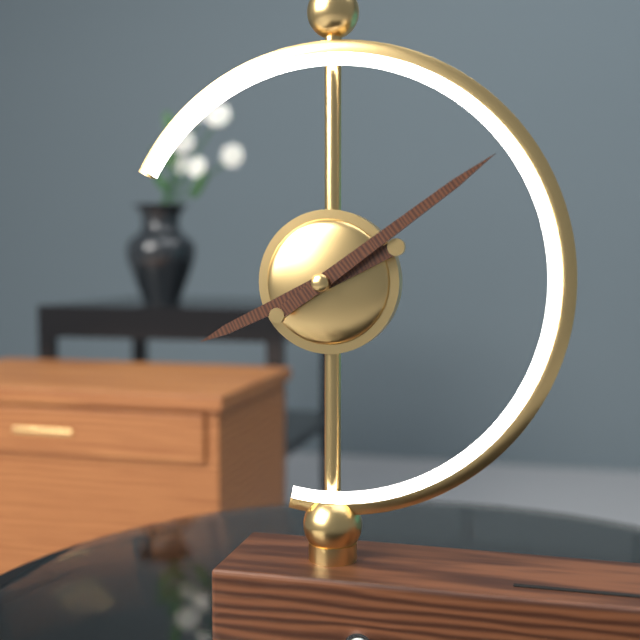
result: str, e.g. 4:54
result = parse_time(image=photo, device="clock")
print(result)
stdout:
8:09
